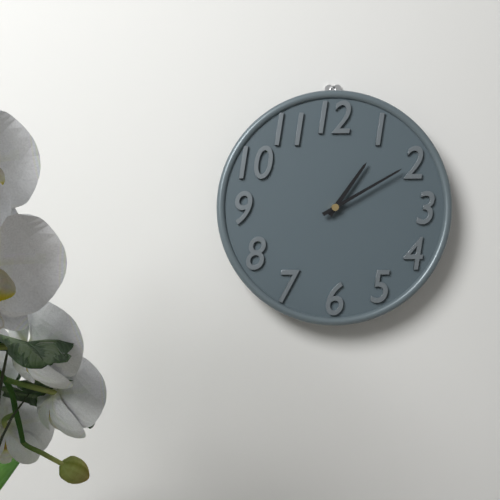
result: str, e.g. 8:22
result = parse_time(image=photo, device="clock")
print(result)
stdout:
1:10
